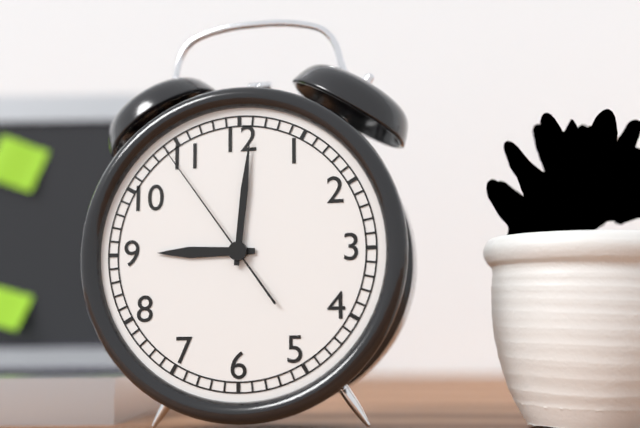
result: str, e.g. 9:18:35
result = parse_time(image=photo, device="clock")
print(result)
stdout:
9:01:54
